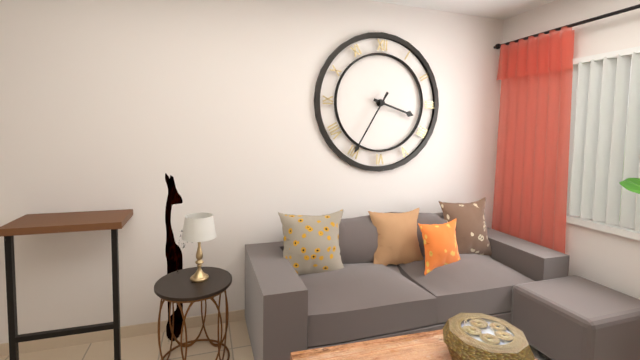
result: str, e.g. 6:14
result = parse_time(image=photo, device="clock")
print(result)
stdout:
3:35
